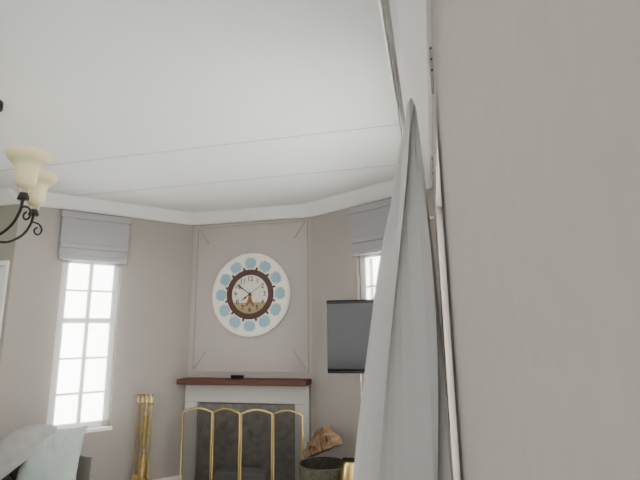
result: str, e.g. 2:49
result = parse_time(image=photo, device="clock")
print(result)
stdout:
7:51
